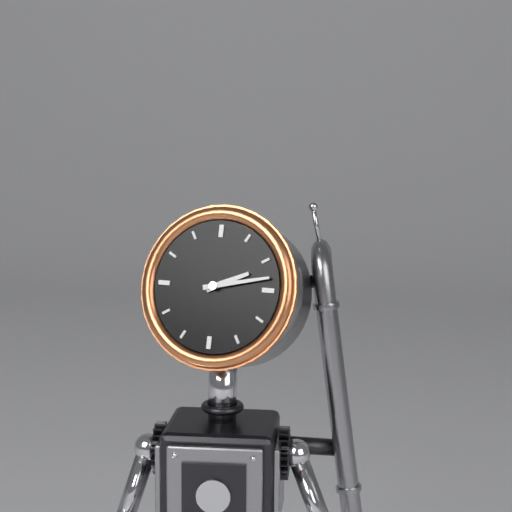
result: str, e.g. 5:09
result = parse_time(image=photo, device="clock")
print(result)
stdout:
2:13
